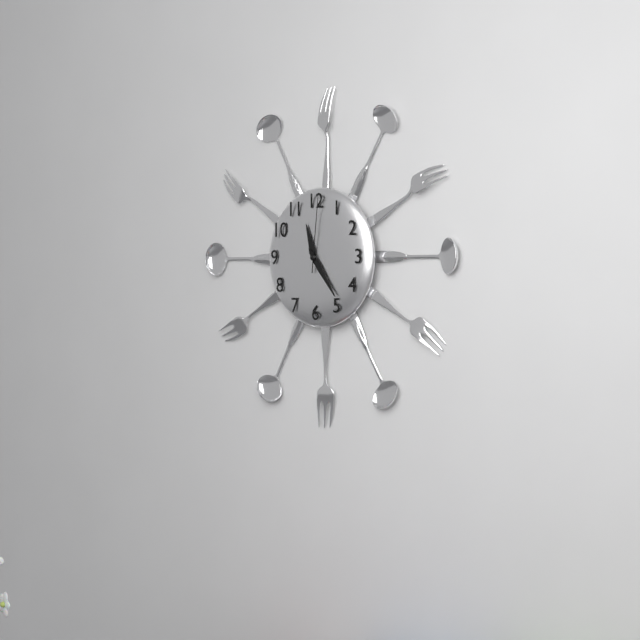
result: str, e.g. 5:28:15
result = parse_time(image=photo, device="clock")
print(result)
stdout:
11:24:01
